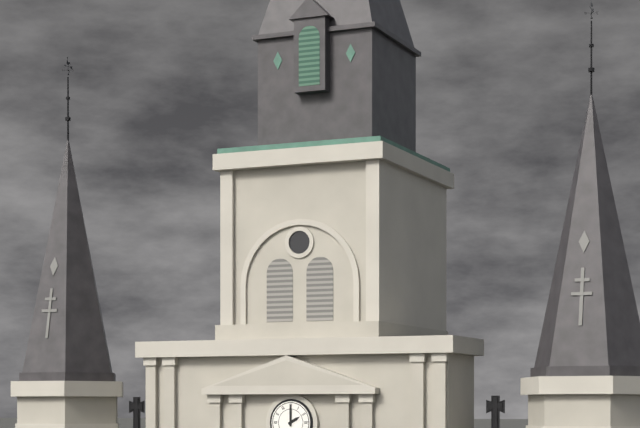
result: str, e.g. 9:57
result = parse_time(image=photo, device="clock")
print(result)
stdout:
2:00
